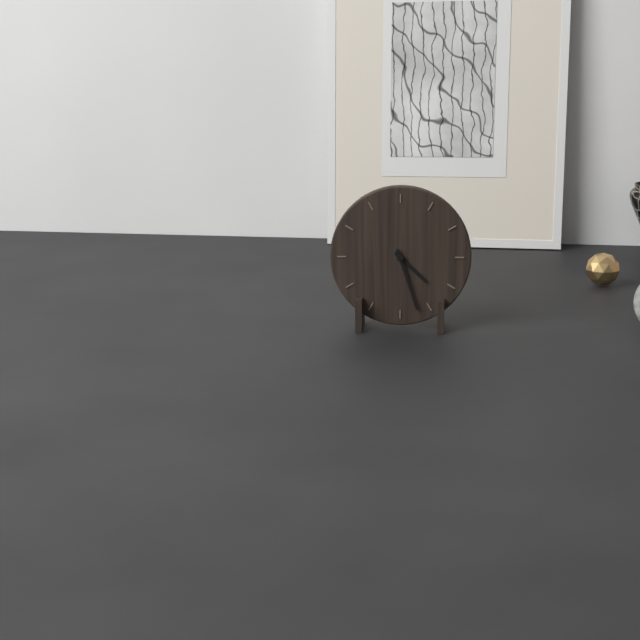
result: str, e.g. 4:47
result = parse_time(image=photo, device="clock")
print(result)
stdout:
4:27
